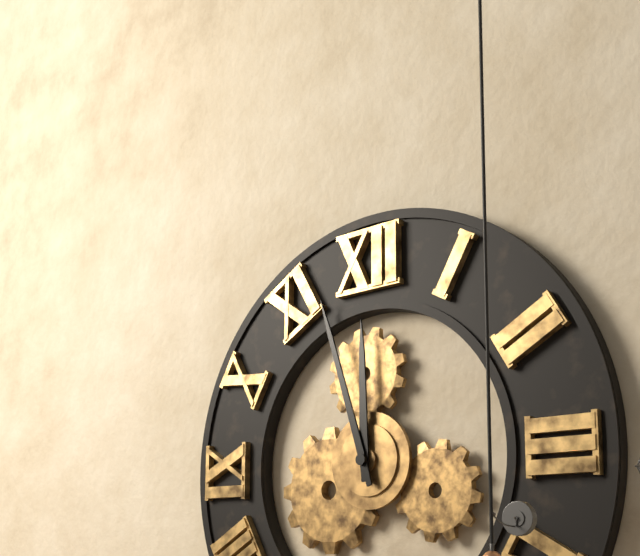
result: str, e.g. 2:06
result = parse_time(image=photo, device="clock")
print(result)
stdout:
11:57
